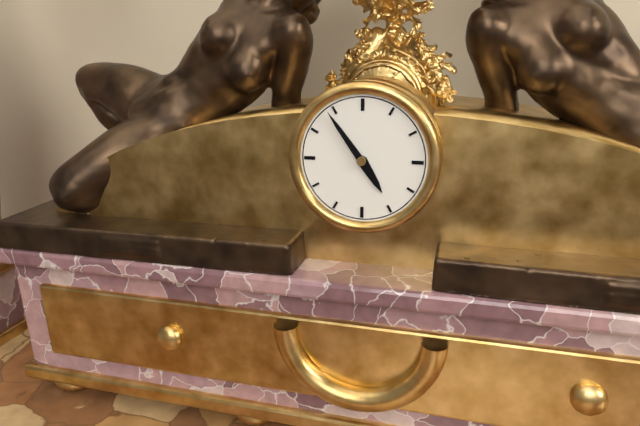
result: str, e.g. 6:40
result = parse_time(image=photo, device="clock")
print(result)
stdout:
4:54
